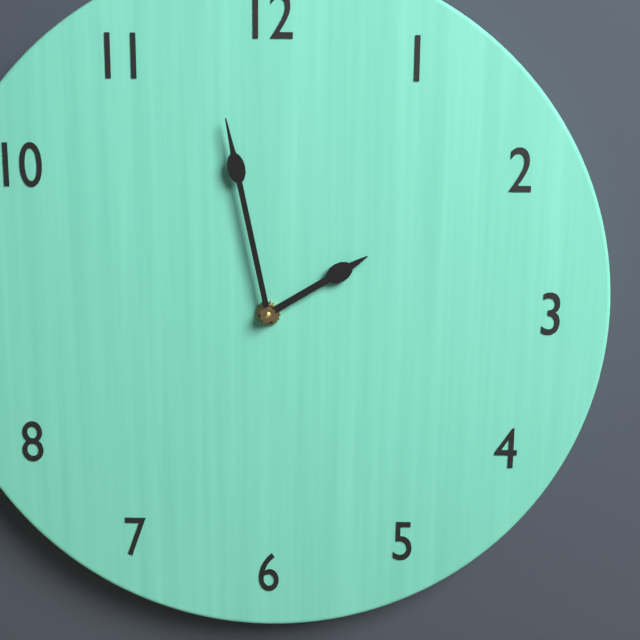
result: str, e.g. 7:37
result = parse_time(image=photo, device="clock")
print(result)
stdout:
1:58
